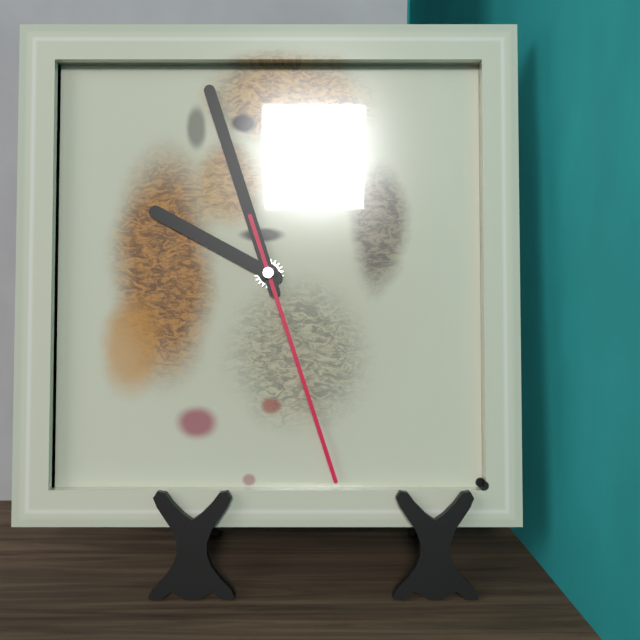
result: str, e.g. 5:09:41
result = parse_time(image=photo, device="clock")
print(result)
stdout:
9:57:27
